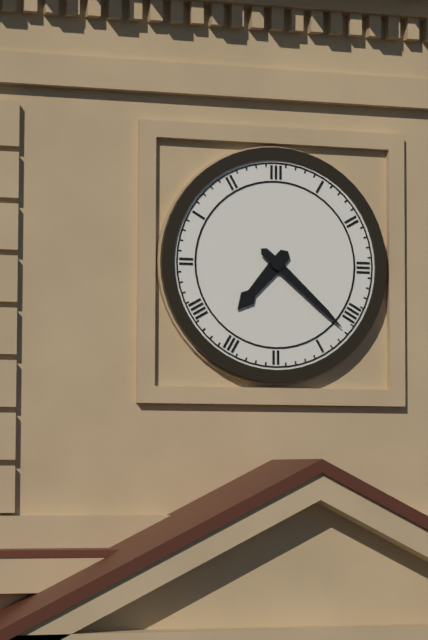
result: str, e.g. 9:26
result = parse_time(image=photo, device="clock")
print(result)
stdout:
7:22
